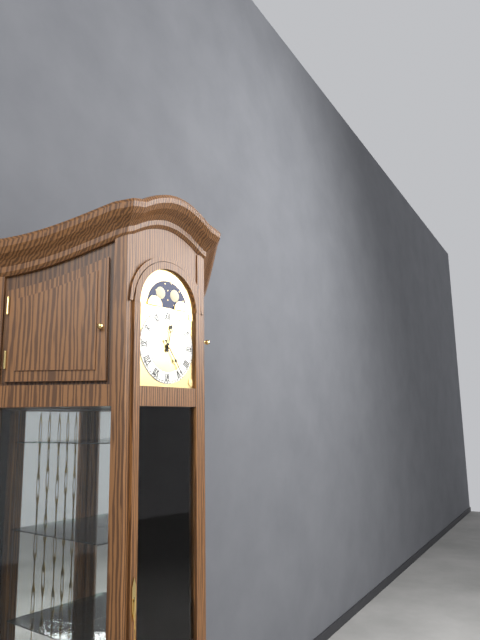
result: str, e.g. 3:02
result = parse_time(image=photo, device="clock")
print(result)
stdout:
12:24
